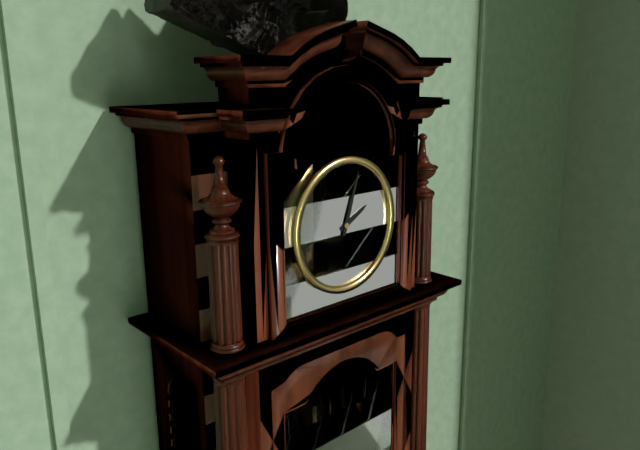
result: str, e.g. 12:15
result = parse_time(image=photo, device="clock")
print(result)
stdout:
2:03
